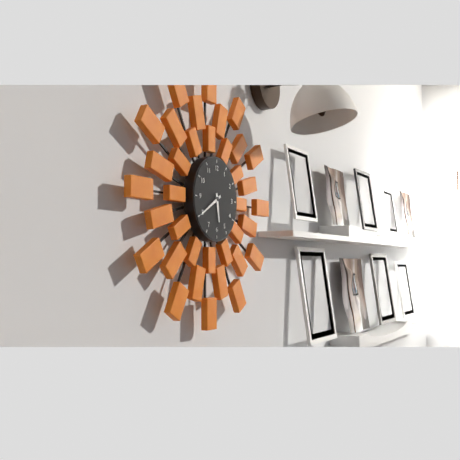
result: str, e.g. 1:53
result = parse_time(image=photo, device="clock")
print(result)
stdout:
5:40
